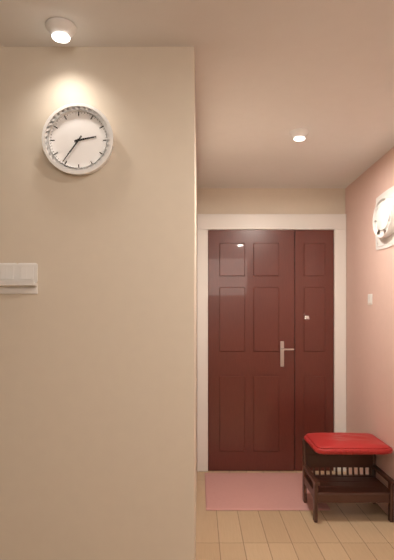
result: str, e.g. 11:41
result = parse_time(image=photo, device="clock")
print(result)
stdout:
2:36
